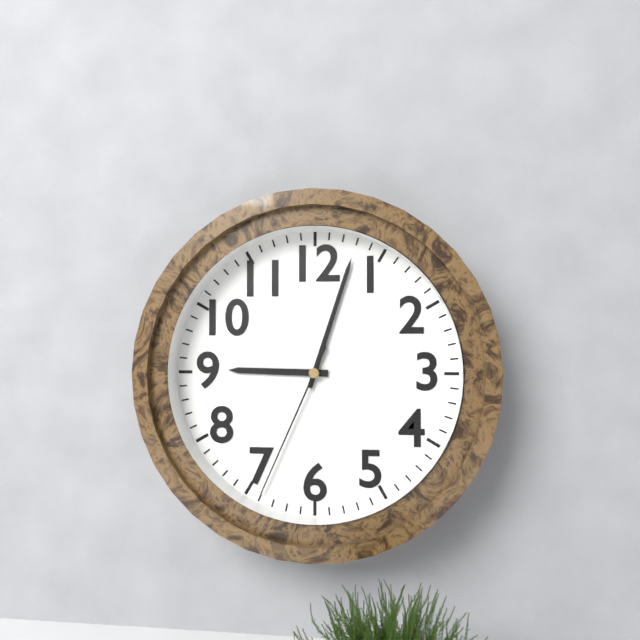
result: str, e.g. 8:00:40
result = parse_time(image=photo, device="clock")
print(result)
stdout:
9:03:34
